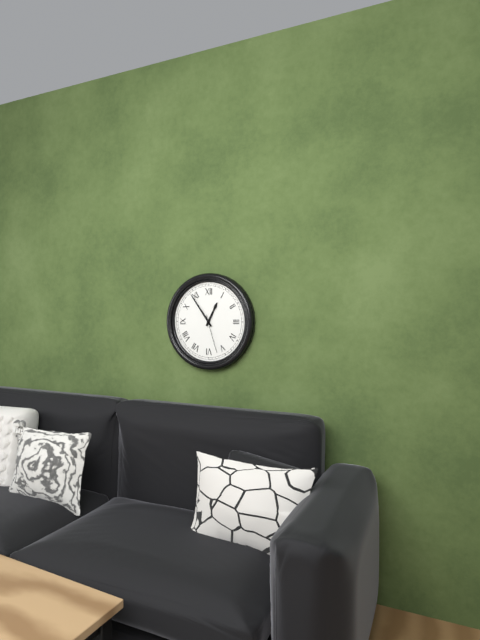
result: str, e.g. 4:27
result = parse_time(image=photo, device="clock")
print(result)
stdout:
12:54
